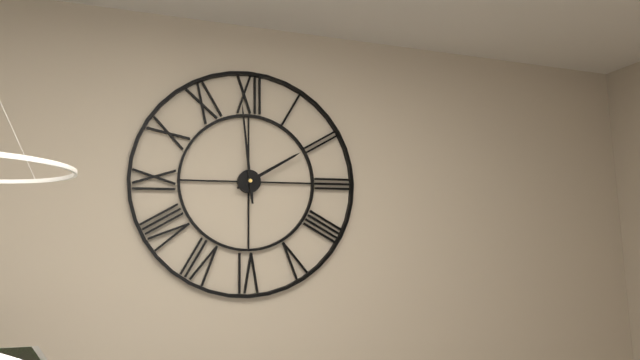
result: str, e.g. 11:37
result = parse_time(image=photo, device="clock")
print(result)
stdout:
1:59
